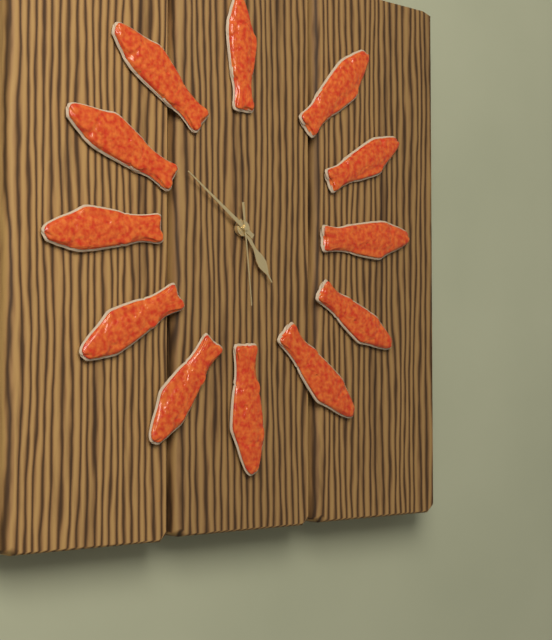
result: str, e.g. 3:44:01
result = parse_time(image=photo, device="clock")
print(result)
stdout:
4:51:29
